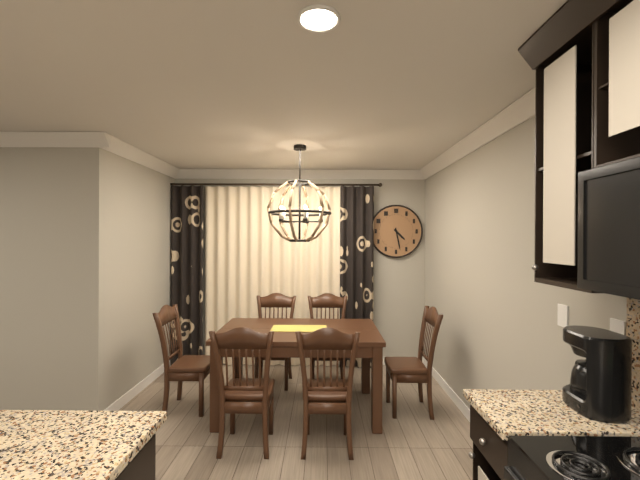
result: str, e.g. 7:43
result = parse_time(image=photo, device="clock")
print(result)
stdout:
4:28
